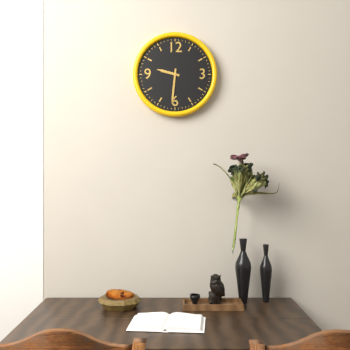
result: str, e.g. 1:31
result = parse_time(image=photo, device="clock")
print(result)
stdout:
9:31
